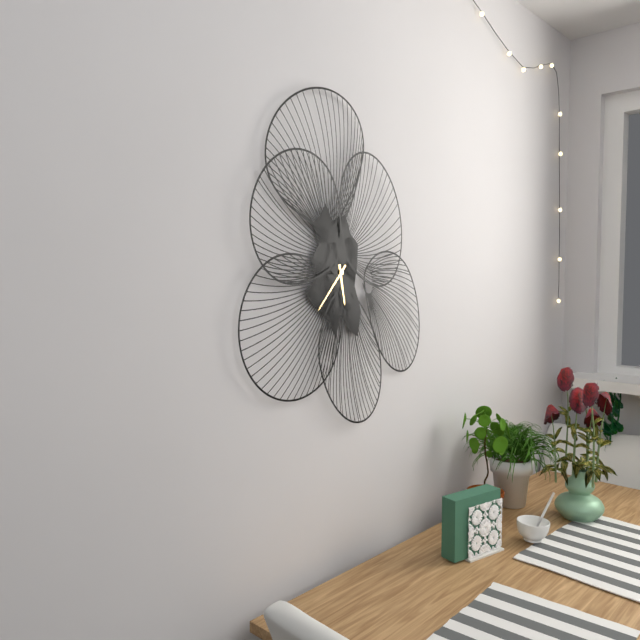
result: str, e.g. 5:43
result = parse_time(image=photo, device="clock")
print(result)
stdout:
5:37
